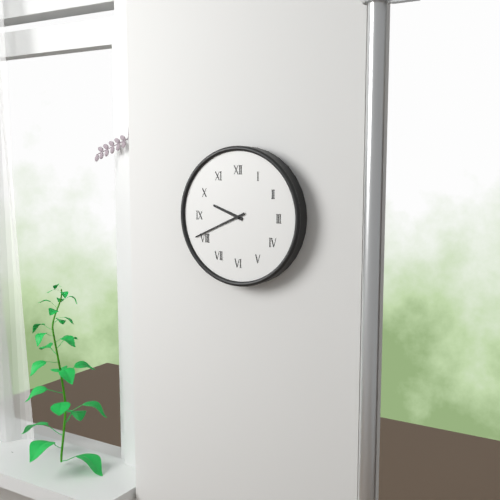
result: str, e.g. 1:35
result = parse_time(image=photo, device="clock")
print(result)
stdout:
9:41
